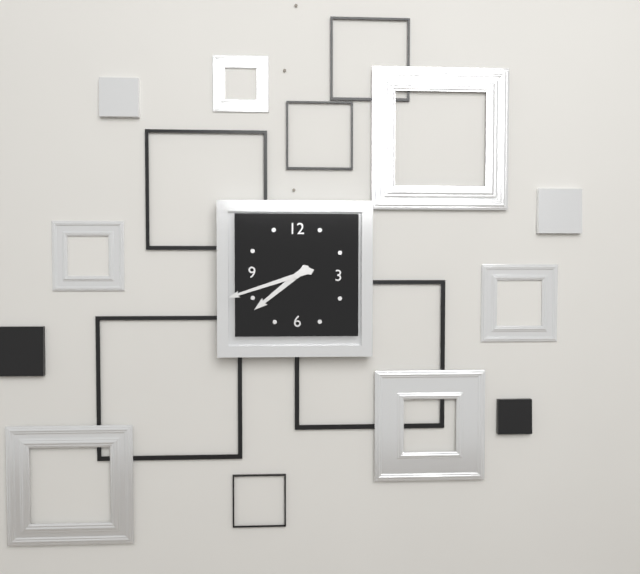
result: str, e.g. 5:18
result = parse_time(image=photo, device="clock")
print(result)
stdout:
7:42
